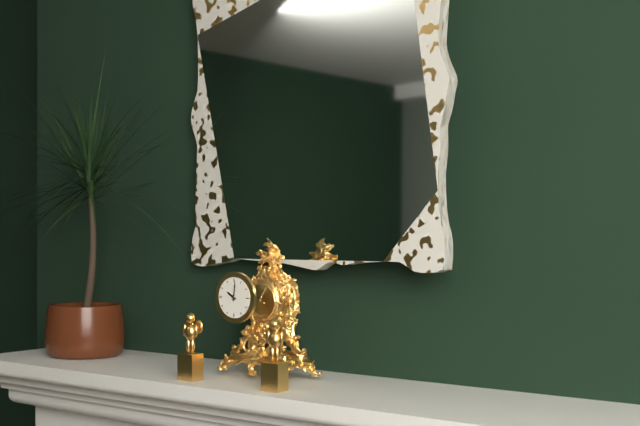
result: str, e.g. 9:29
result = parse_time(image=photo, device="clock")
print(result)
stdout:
10:01
